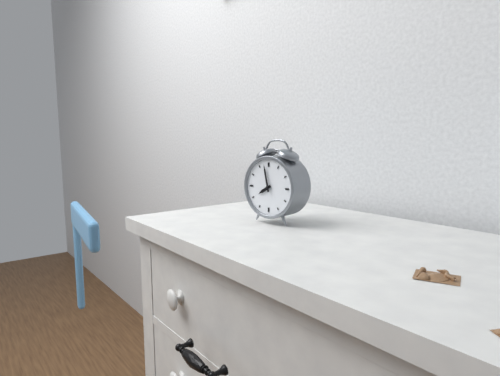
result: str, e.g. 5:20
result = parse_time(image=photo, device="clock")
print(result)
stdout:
7:58
